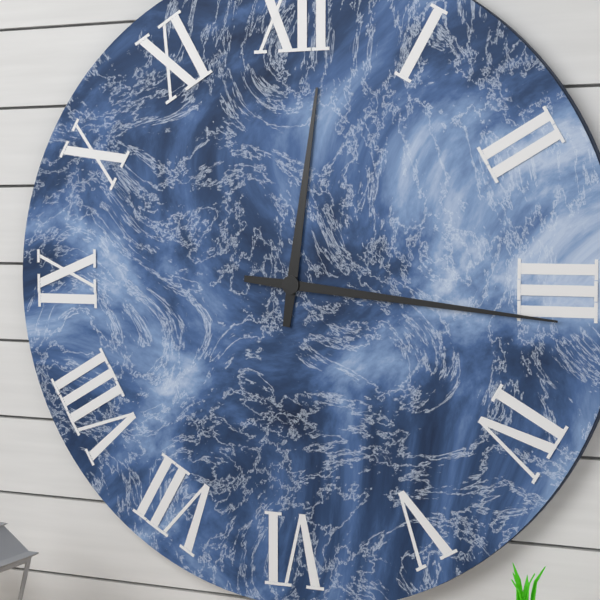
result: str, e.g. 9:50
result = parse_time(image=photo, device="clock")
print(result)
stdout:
12:16
